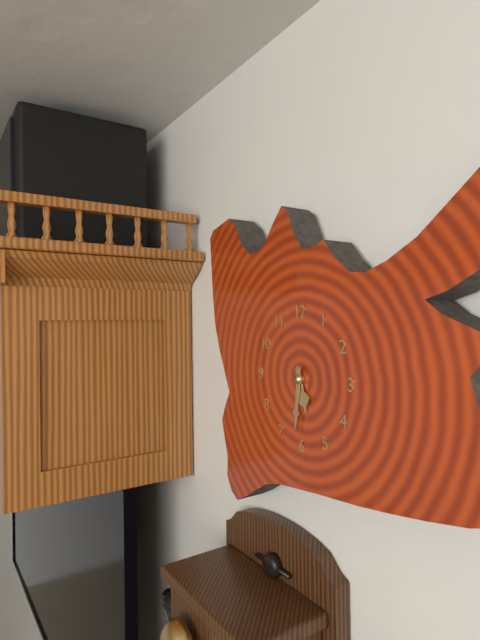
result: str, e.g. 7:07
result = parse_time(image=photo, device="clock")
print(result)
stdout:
5:31
